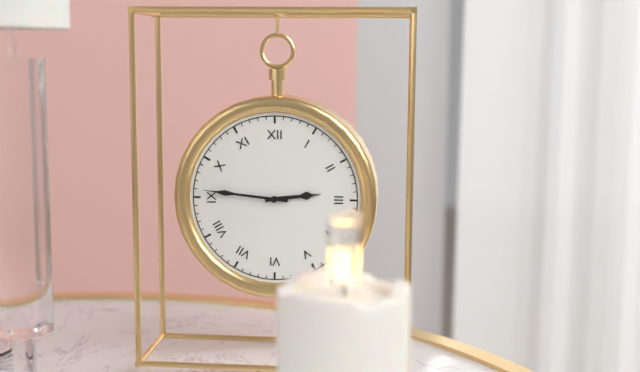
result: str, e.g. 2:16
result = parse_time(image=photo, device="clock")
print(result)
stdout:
2:46
